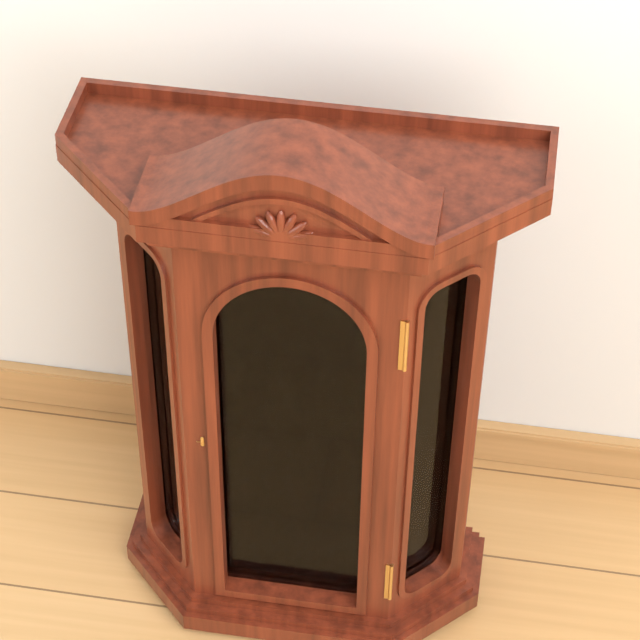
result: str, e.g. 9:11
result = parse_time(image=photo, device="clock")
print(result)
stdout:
1:52
